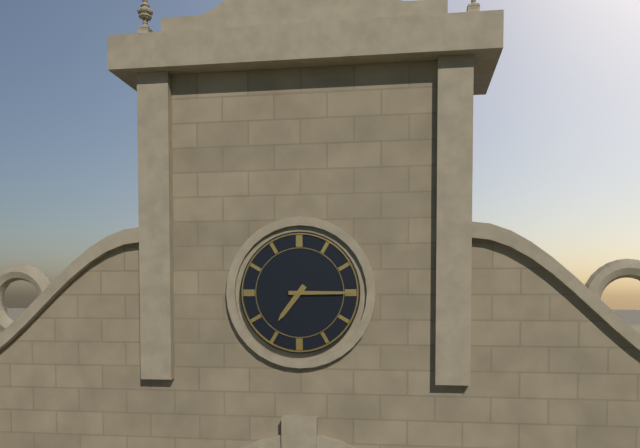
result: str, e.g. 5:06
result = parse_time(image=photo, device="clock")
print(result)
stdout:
7:15
